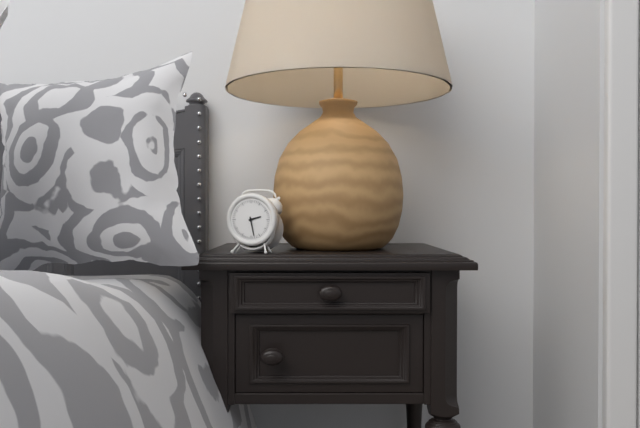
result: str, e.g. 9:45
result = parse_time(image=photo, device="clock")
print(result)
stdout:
2:28
